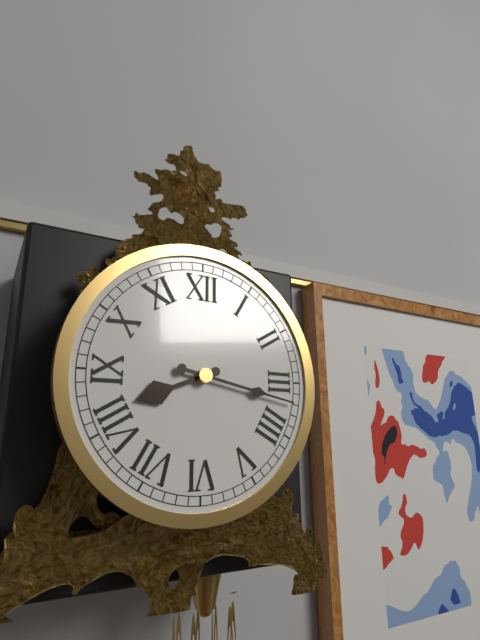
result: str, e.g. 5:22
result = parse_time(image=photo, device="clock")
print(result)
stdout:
8:17
